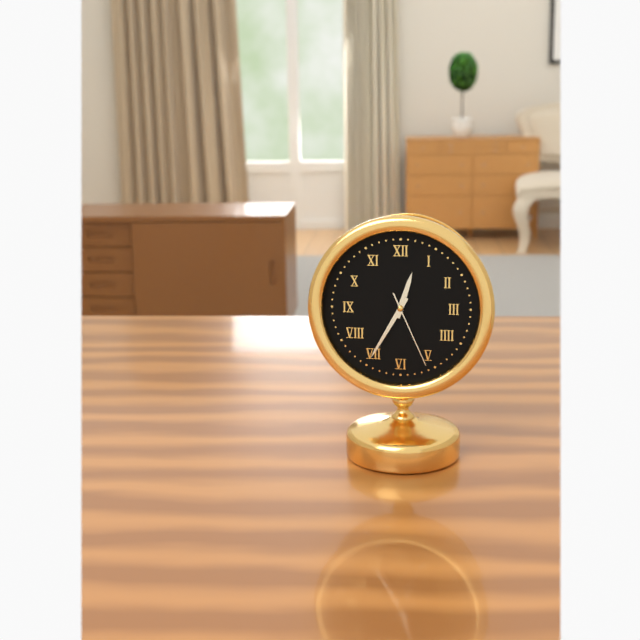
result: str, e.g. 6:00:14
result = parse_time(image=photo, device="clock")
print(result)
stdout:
12:35:26
